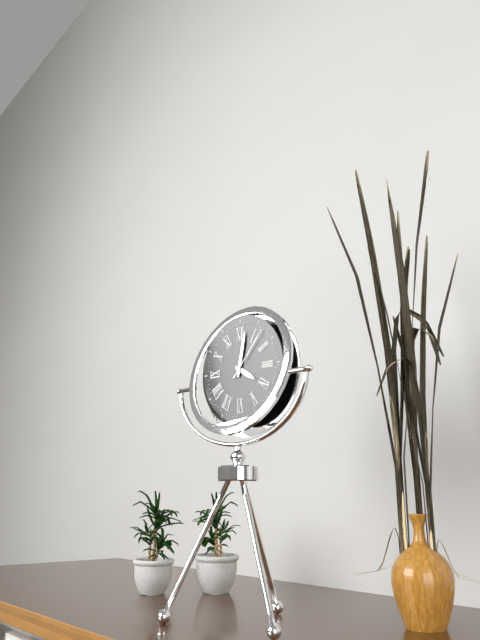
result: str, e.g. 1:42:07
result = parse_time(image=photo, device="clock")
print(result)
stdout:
4:02:07
